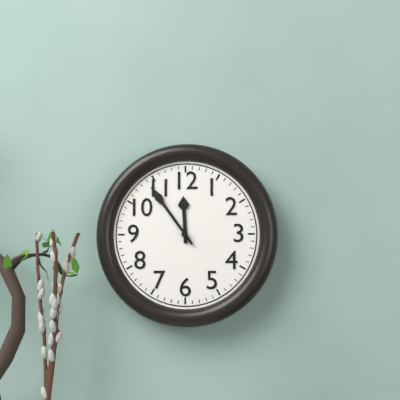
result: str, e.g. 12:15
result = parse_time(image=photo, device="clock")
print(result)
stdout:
11:54
